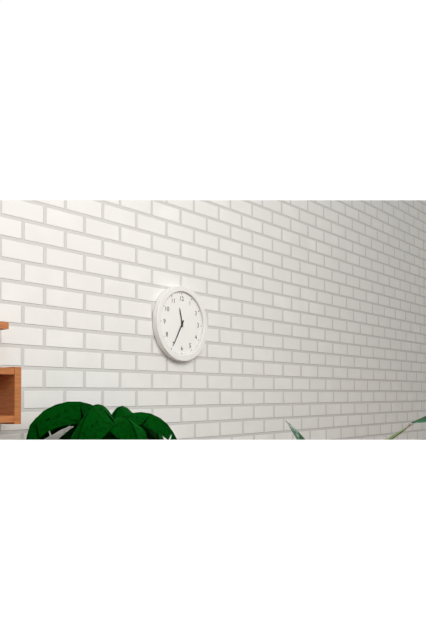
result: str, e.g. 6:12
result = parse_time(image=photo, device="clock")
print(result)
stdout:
11:35
